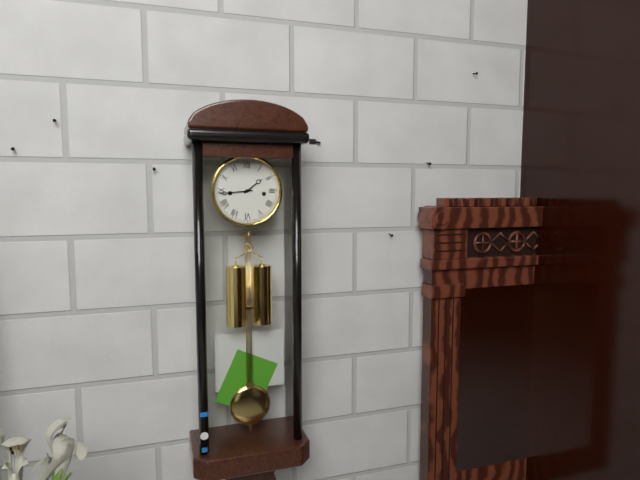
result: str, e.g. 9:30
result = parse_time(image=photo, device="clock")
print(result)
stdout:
1:44
